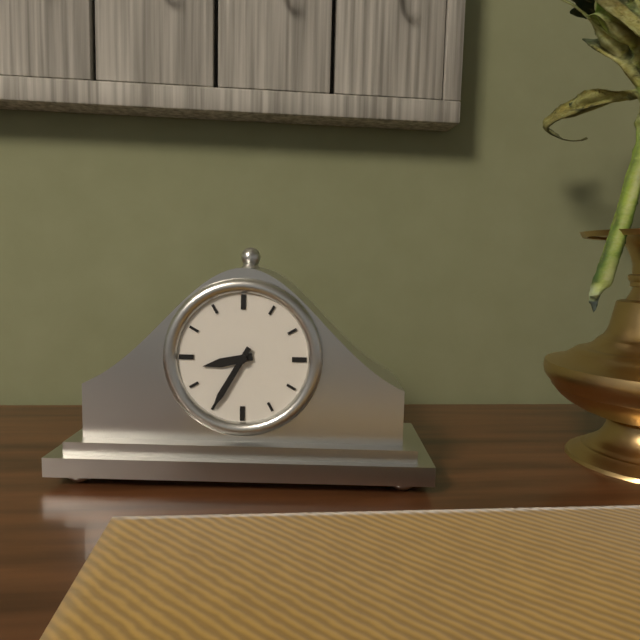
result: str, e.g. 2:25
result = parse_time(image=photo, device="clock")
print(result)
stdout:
8:35
